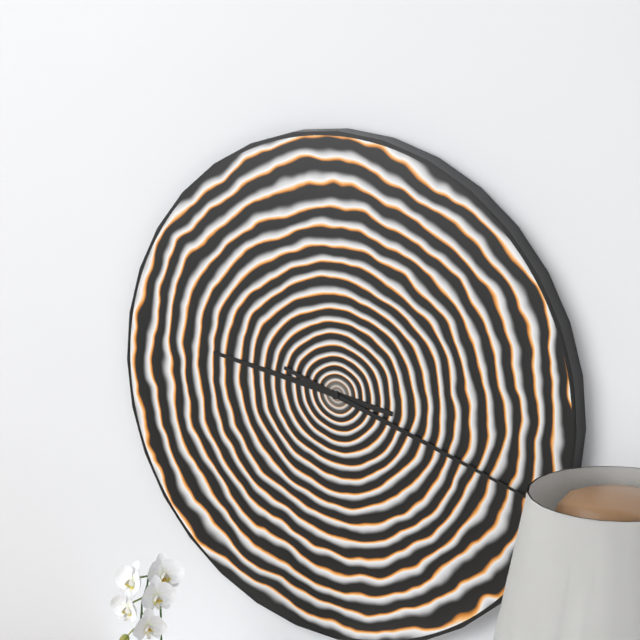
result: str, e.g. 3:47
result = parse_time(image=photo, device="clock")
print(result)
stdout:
9:18
